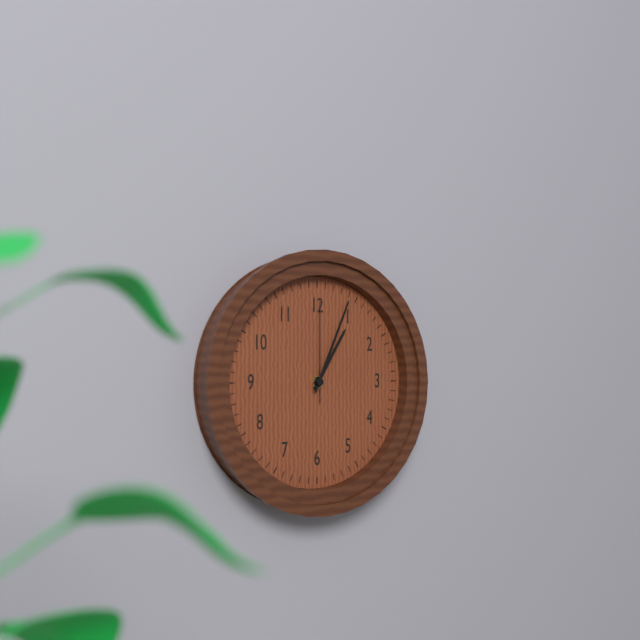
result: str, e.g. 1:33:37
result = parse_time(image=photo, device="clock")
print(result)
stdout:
1:04:00
